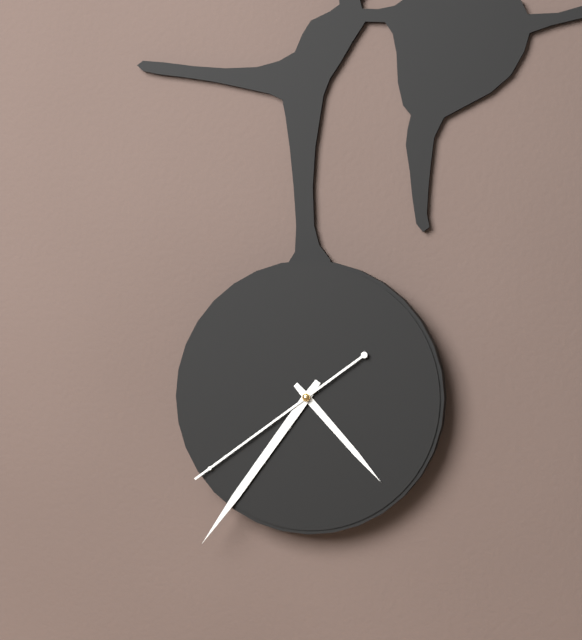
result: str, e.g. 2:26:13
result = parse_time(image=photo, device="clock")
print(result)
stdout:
4:36:39
